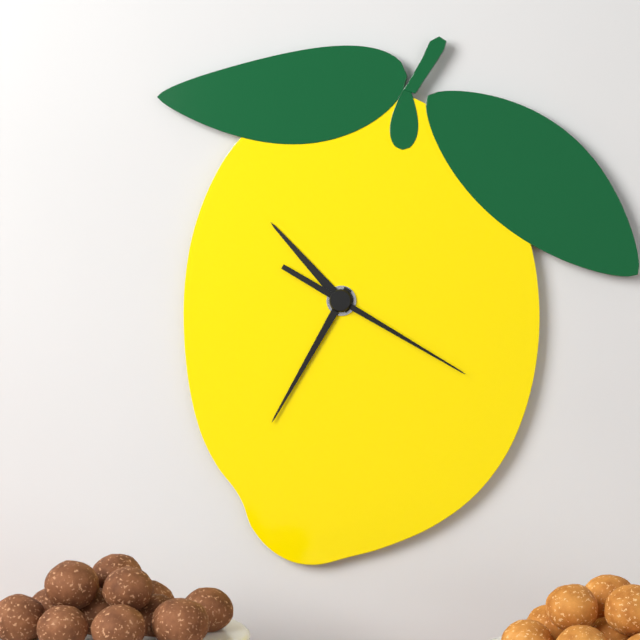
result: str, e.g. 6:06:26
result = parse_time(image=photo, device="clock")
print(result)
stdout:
10:35:20
